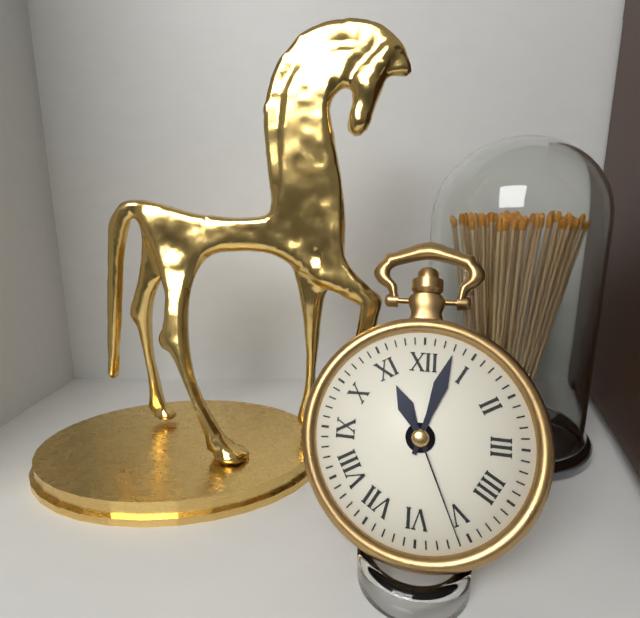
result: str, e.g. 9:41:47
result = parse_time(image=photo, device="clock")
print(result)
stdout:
11:03:26
